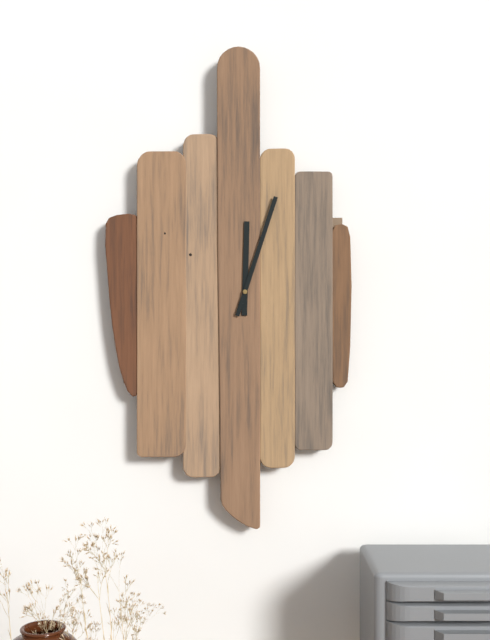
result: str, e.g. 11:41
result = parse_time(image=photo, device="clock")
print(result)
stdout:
12:03
